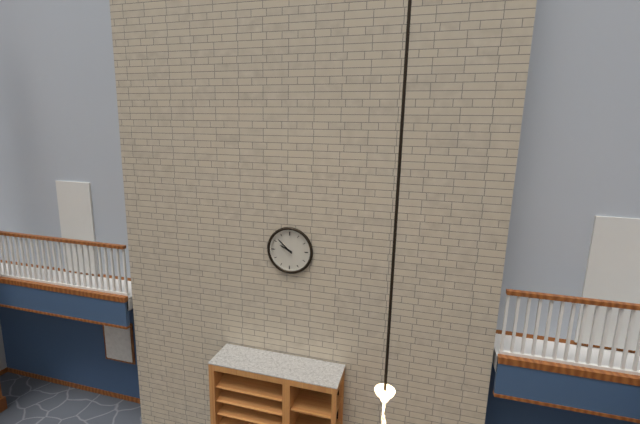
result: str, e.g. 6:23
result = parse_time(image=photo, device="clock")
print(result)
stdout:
9:52
